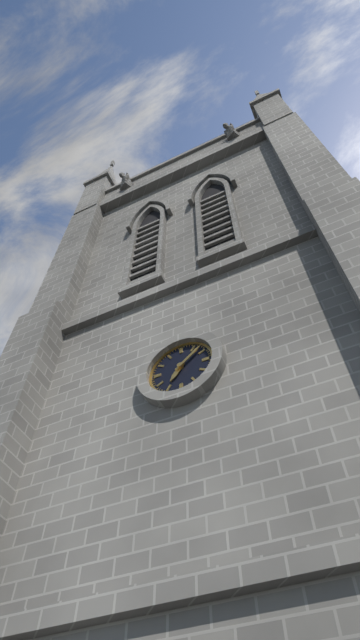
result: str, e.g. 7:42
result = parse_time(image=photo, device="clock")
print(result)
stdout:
7:08
